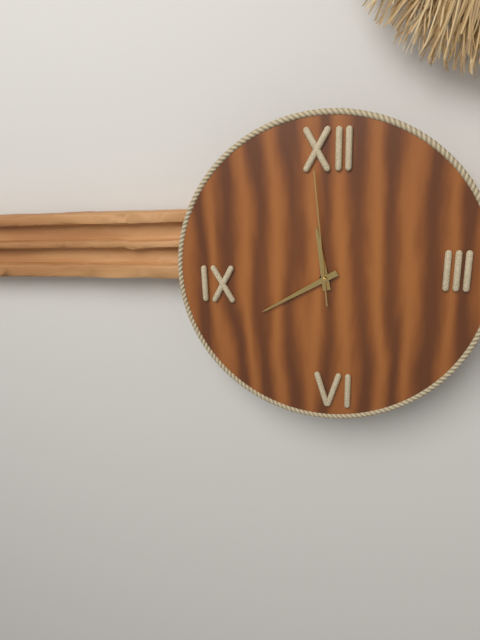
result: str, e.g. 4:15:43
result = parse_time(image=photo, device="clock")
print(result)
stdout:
11:40:59
